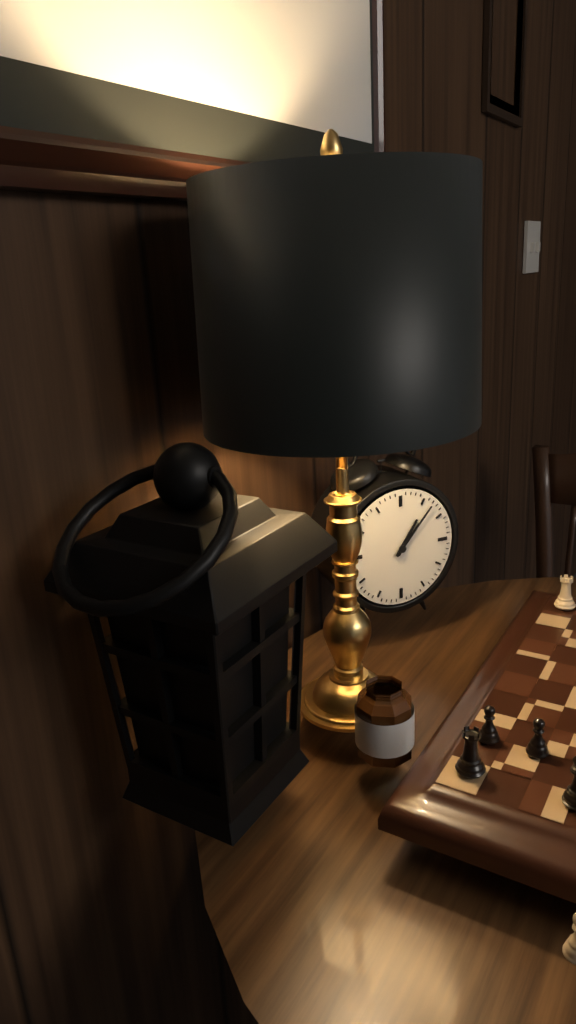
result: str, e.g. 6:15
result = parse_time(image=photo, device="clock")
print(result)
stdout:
1:07
